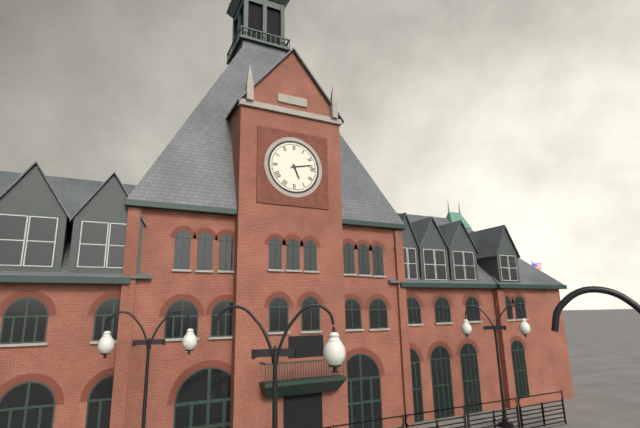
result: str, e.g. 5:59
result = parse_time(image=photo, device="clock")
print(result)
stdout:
5:13
